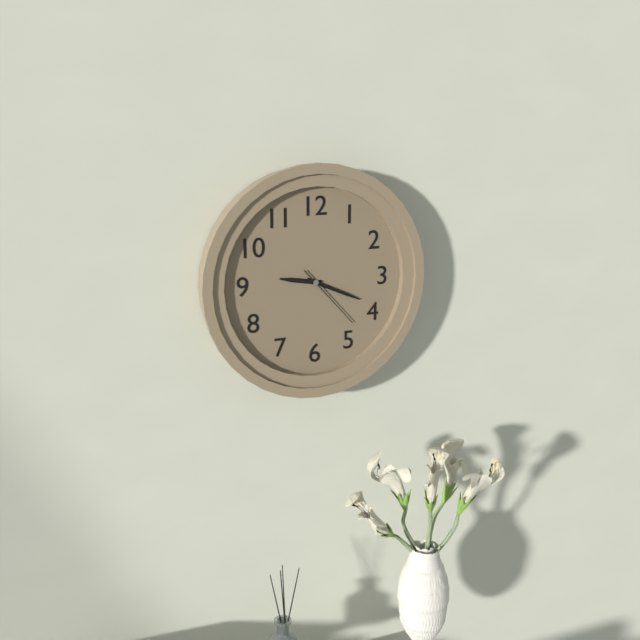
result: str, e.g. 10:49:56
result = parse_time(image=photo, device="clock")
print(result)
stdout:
9:19:23
